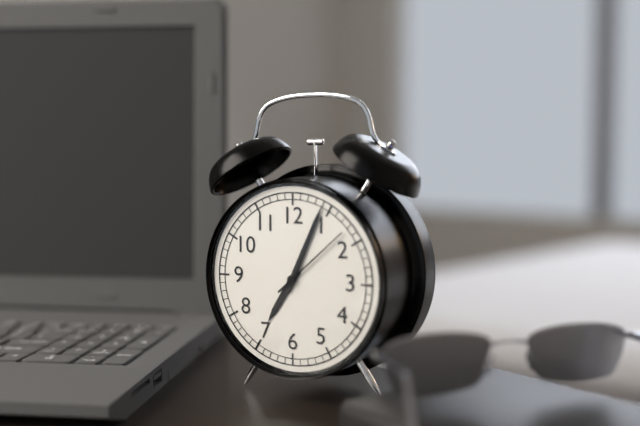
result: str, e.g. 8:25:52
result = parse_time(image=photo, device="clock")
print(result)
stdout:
7:04:08
